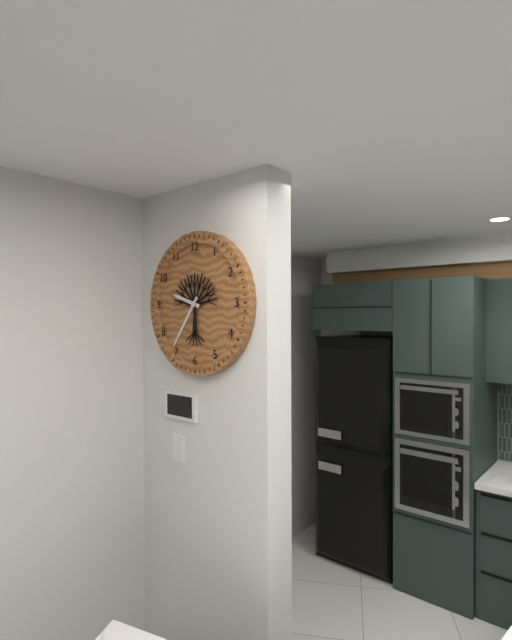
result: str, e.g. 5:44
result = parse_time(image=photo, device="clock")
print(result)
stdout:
9:36
